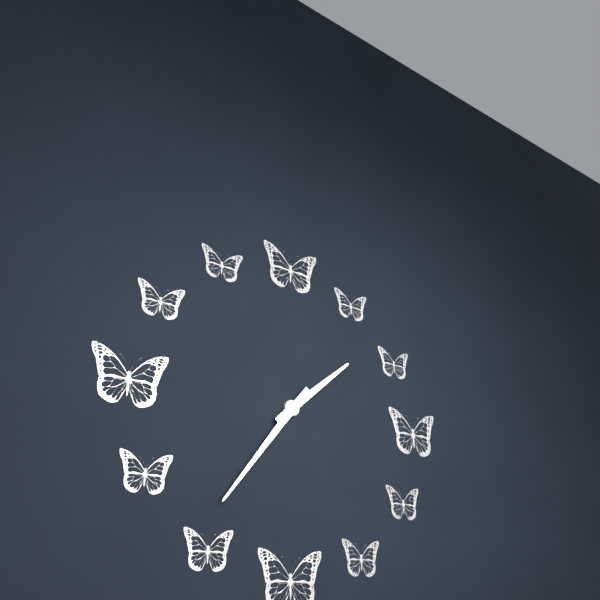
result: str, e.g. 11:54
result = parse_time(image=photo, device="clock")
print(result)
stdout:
1:36
